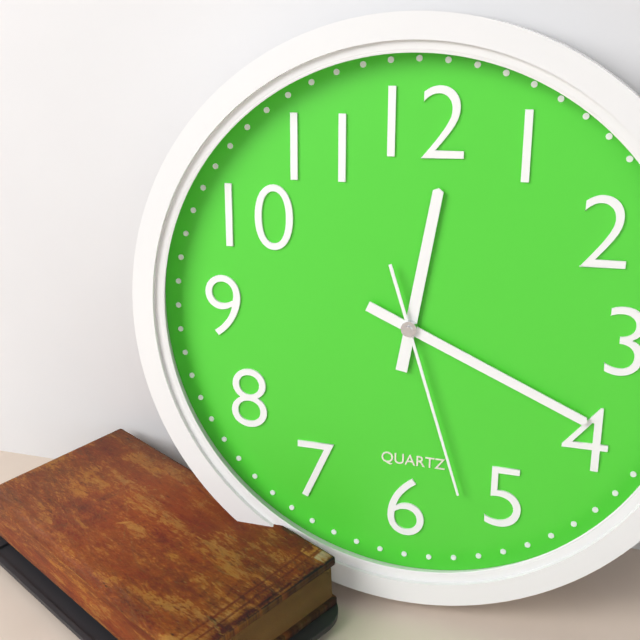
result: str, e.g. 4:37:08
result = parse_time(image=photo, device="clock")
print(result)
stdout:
12:19:27
